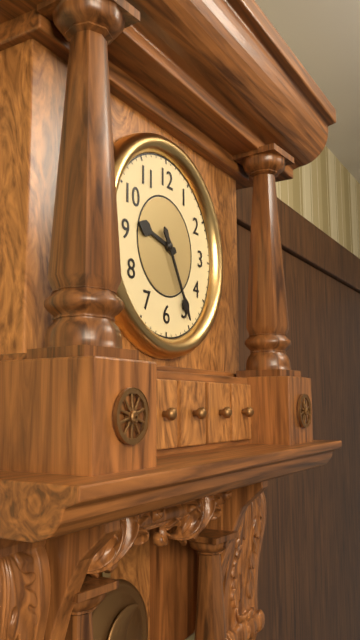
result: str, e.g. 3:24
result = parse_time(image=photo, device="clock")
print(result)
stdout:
9:25
